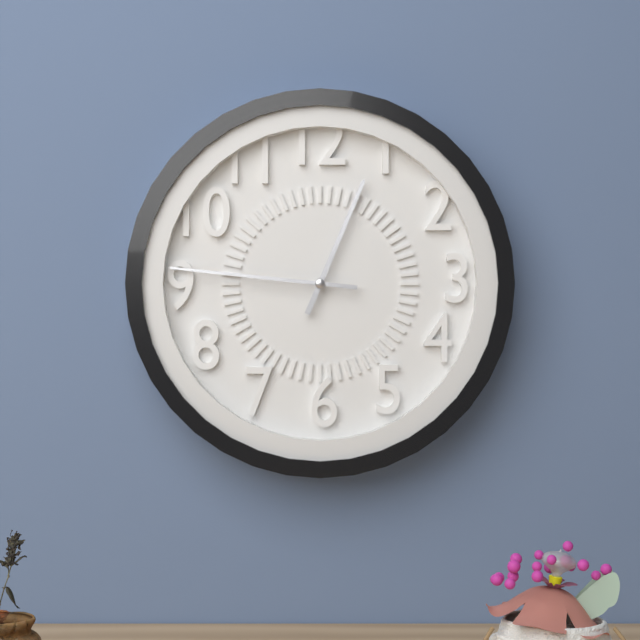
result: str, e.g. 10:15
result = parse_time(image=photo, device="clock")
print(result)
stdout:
12:46
